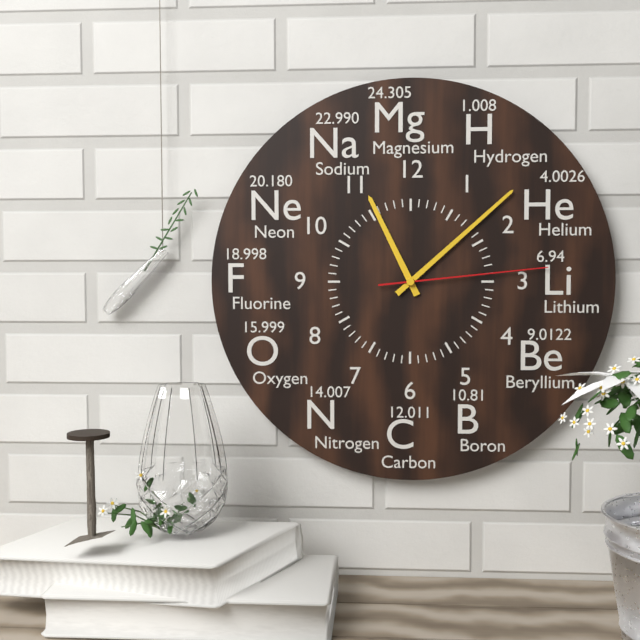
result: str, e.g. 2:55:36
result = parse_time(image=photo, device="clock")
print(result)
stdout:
11:08:14
